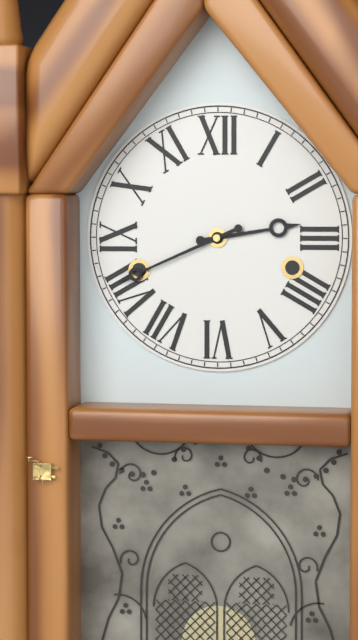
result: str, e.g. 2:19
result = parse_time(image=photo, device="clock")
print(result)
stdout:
2:41
